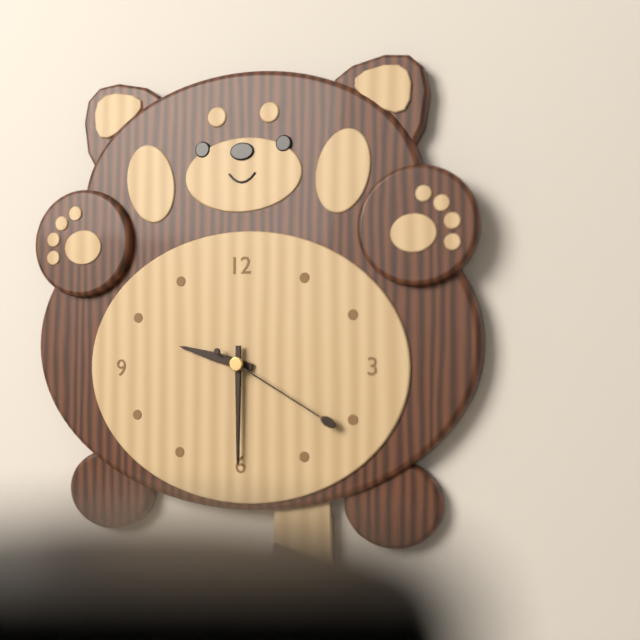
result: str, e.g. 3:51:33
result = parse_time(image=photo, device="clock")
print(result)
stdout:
9:30:20
